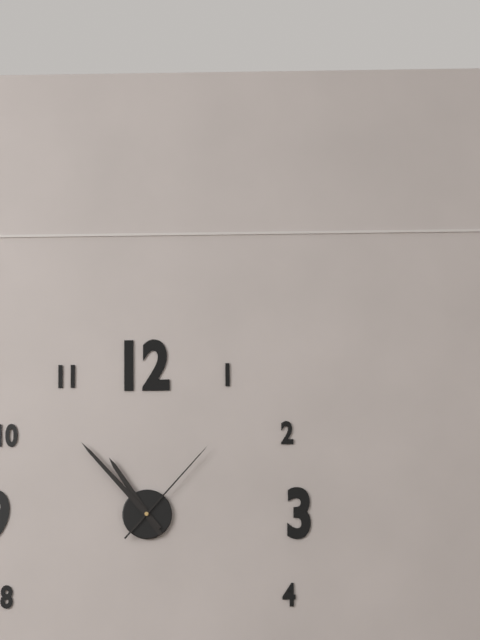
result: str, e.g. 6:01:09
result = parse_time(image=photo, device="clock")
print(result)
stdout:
10:53:07
